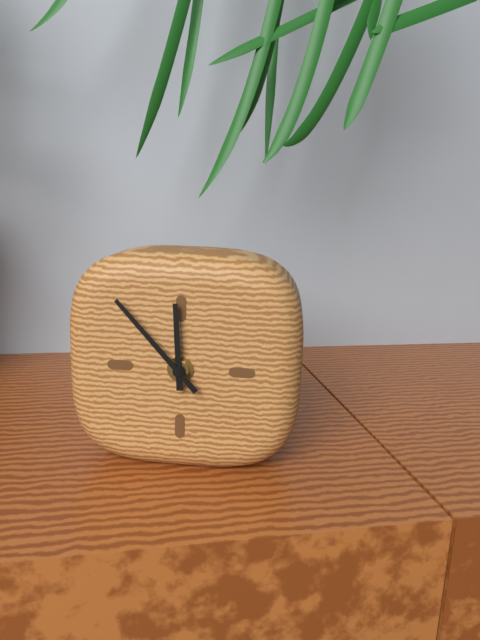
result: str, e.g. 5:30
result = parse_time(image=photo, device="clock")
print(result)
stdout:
11:53
